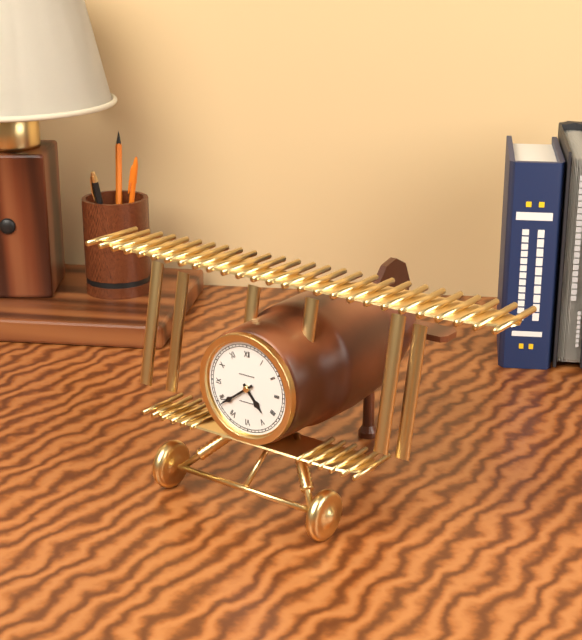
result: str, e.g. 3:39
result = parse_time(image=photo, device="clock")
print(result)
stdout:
4:39
